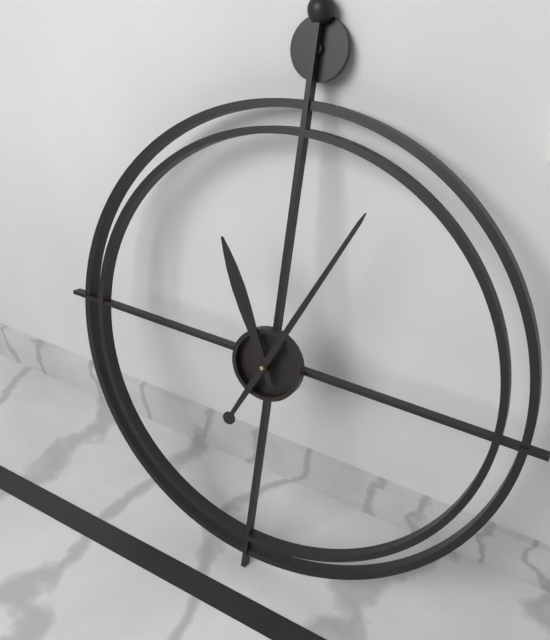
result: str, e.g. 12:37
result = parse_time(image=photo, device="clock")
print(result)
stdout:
11:04
